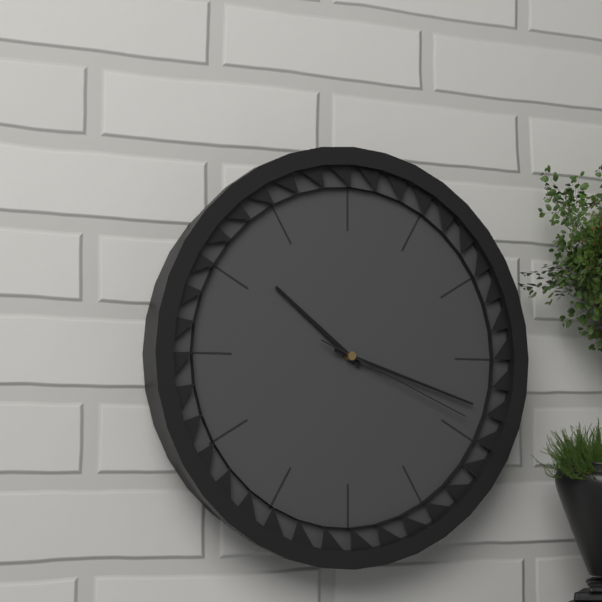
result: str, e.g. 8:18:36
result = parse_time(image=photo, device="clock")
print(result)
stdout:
10:18:19
